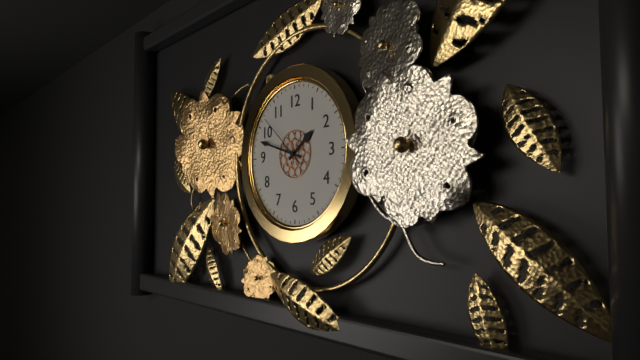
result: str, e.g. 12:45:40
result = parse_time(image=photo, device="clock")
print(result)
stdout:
1:48:52
